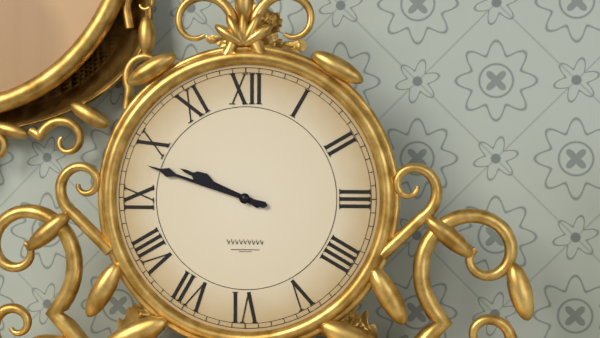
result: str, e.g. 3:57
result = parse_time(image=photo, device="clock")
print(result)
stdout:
9:48
